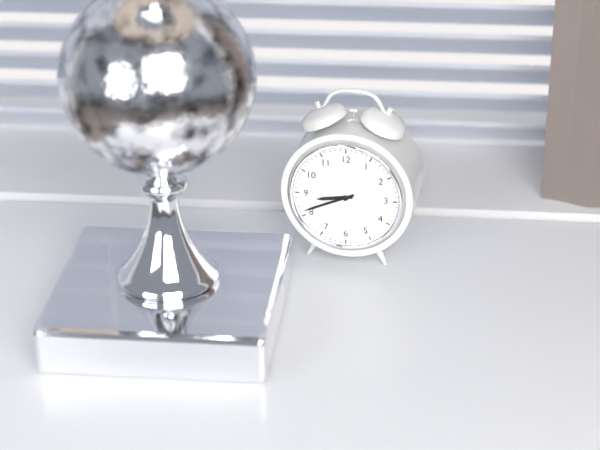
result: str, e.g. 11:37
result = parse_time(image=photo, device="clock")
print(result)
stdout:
8:41
